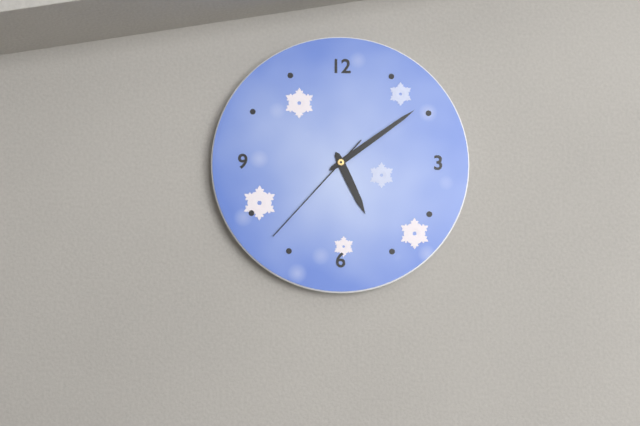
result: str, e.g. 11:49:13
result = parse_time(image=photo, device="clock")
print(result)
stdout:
5:09:37
